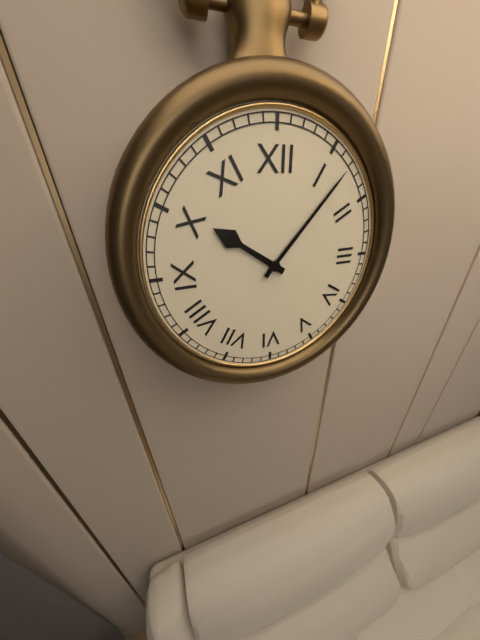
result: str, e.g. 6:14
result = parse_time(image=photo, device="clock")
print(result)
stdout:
10:07
